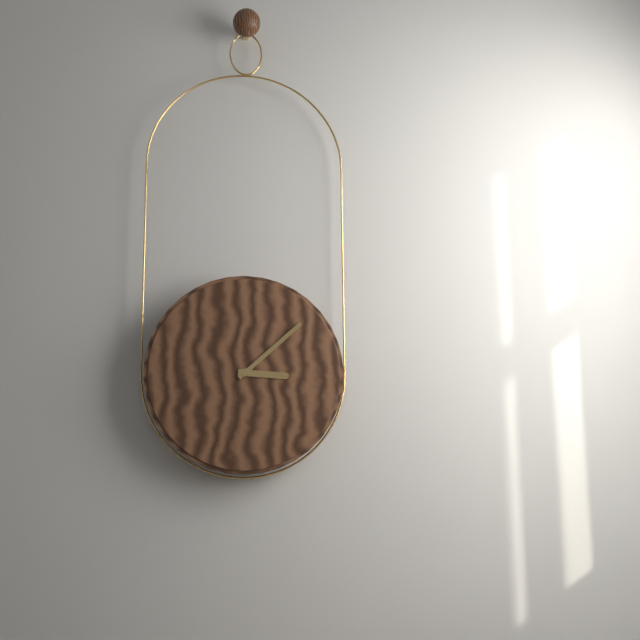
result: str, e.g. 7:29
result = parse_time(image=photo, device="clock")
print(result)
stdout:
3:08
